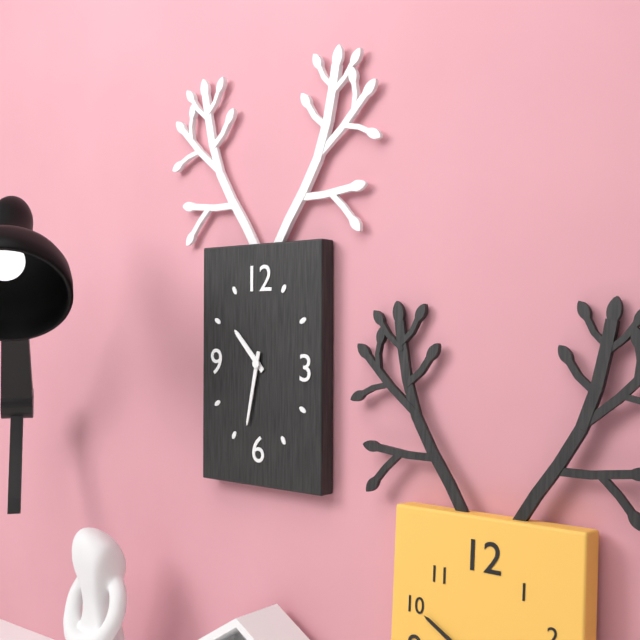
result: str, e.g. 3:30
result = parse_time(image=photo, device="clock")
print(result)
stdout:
10:32
